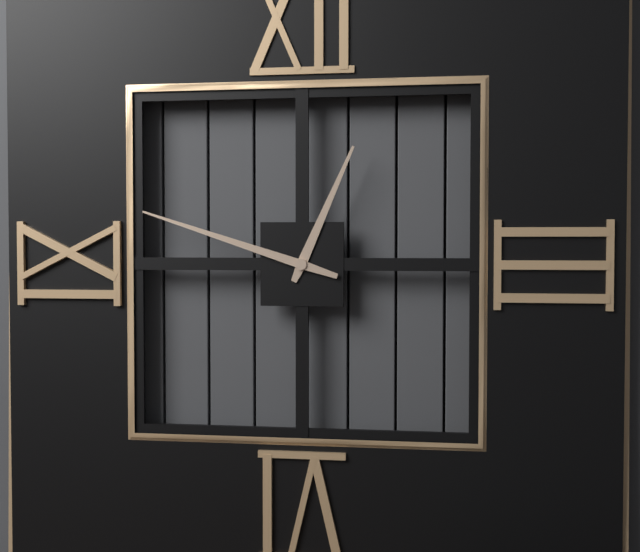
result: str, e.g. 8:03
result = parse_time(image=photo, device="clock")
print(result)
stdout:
12:48
